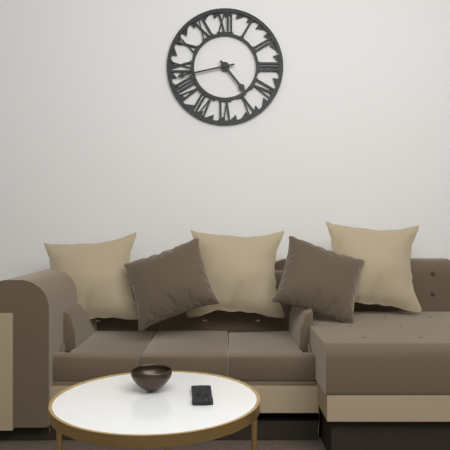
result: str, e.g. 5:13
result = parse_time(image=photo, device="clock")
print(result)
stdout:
4:43
